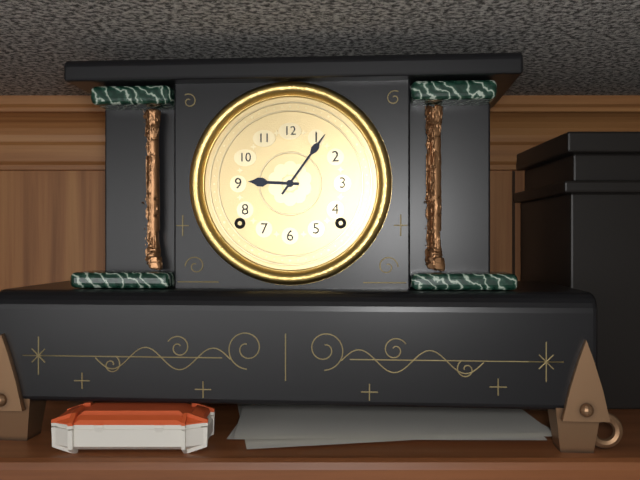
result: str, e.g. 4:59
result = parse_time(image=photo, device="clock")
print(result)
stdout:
9:06
